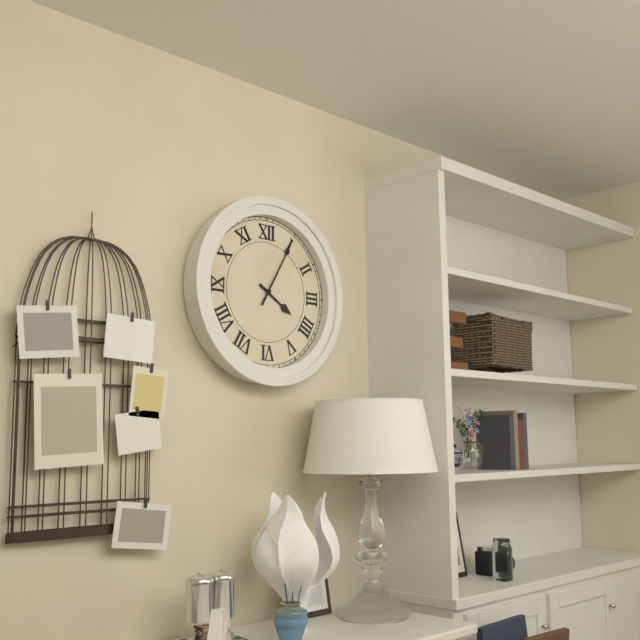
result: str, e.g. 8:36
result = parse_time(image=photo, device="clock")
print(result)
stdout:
4:05
